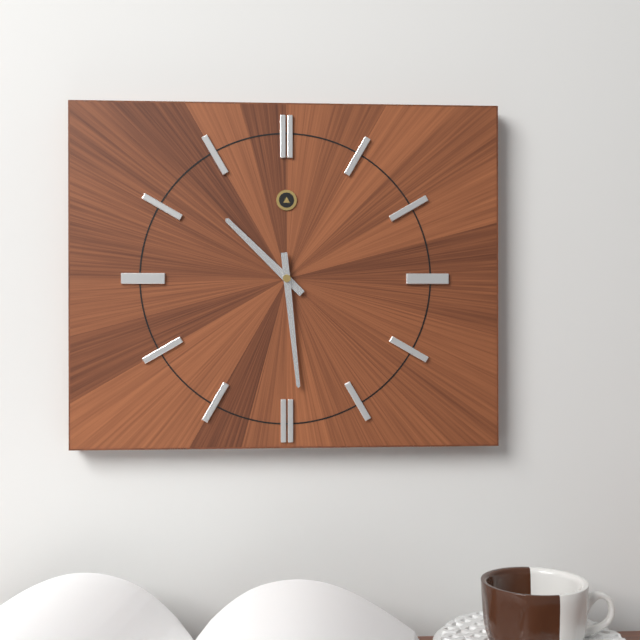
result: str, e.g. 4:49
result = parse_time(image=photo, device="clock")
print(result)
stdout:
10:29
